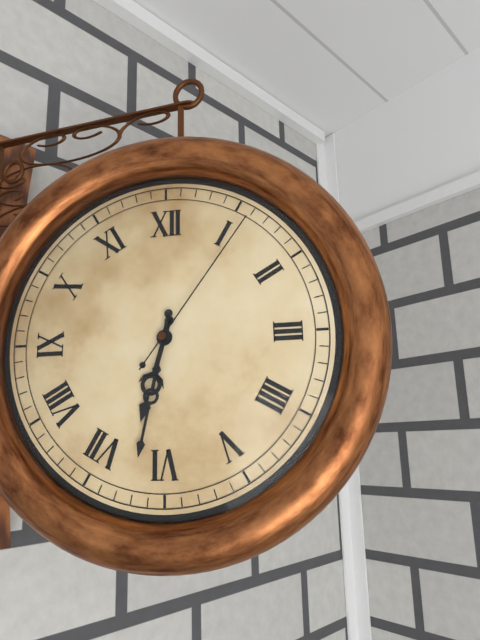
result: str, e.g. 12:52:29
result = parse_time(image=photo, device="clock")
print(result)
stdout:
6:32:06
